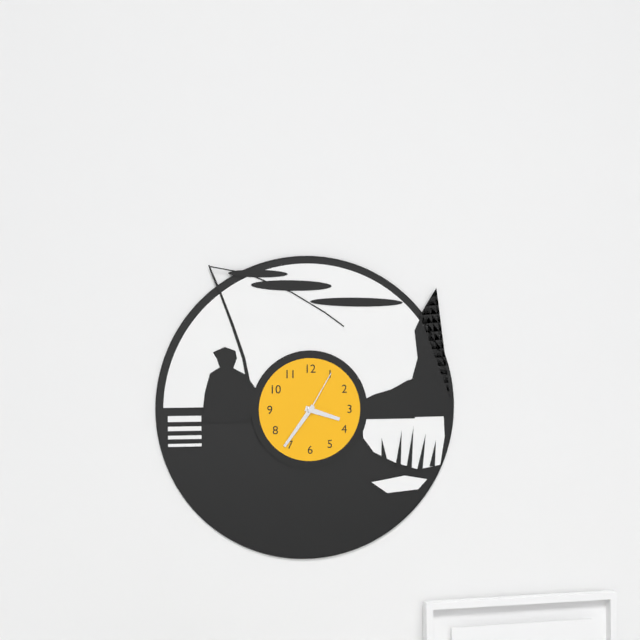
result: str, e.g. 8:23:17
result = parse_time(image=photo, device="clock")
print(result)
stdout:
3:36:05
